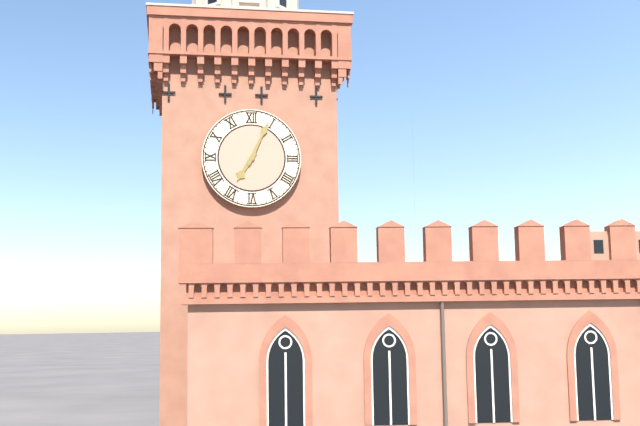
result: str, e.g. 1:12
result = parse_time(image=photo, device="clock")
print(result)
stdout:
7:04
